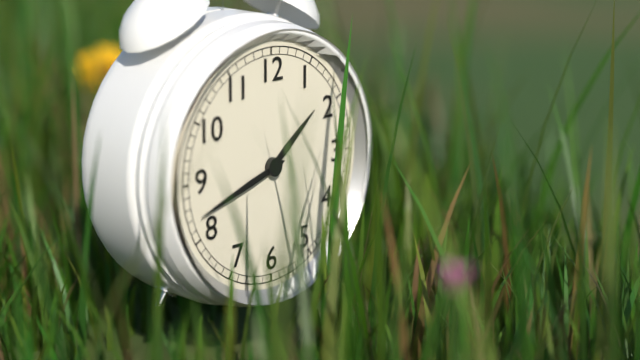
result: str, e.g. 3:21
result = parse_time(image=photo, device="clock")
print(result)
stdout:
1:42
